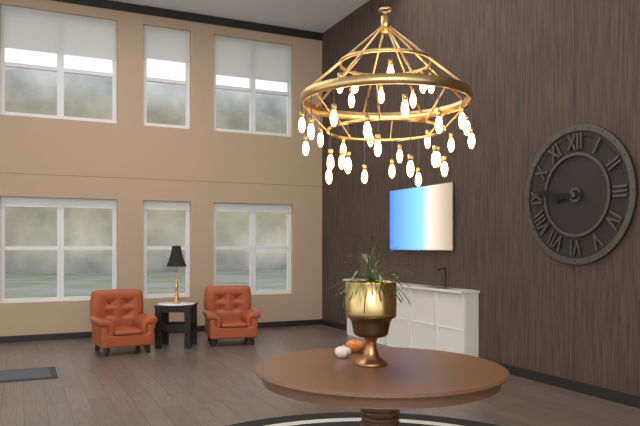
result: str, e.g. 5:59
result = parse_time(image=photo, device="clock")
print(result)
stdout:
8:46
